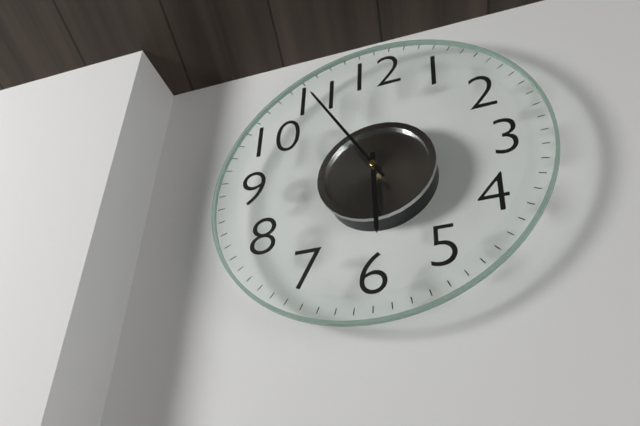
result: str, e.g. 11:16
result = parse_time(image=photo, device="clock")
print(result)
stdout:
5:55
